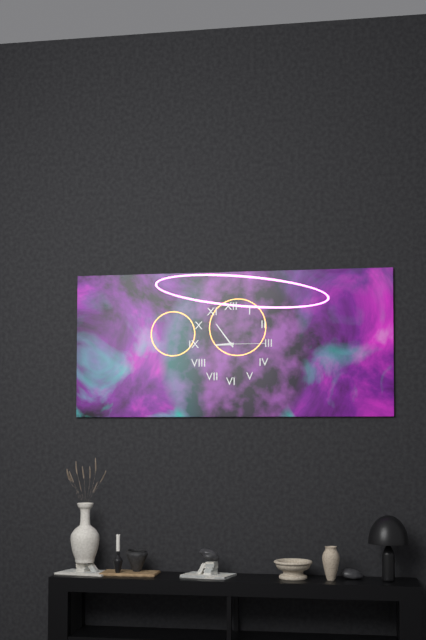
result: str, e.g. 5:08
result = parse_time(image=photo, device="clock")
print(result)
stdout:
8:54
